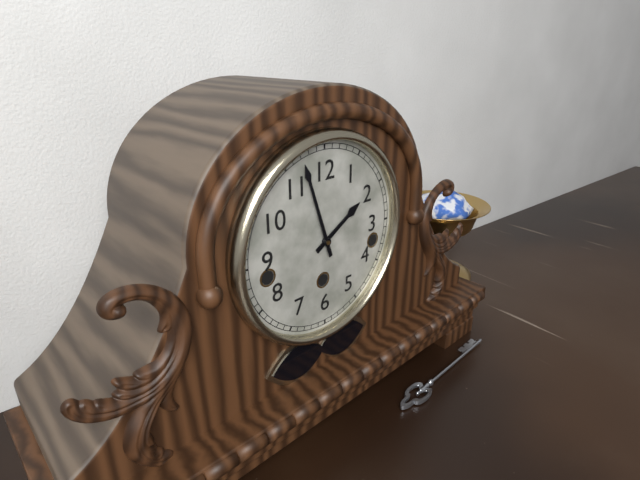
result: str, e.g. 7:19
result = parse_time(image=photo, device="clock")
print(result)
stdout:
1:57
